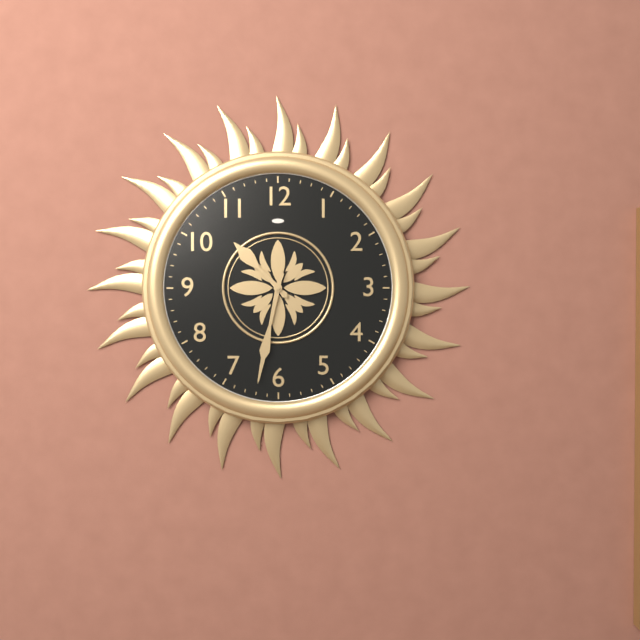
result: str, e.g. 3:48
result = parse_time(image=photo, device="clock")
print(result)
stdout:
10:32
